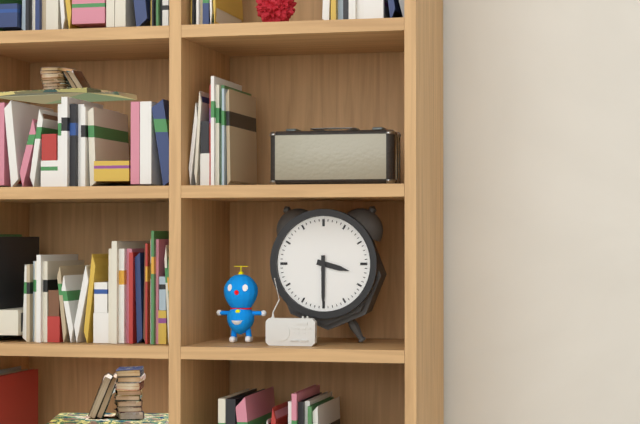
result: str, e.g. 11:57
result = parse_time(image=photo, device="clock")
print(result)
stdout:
3:30
